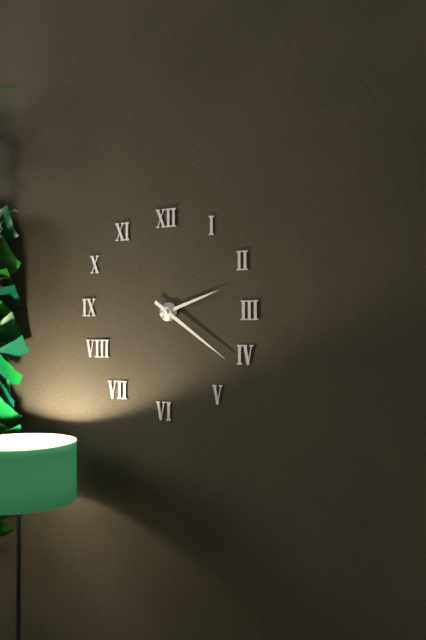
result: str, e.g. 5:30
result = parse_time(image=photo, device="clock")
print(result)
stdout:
2:21
